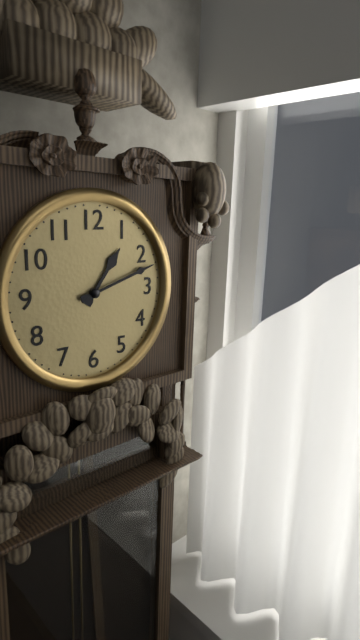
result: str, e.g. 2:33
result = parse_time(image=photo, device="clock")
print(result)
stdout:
1:12
